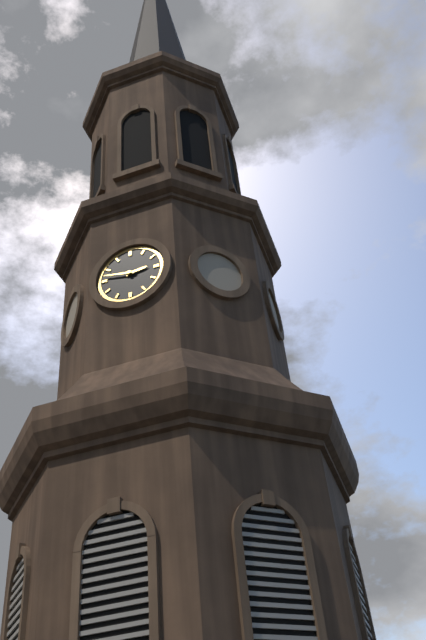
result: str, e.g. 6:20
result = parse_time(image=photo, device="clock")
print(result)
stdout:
2:47
